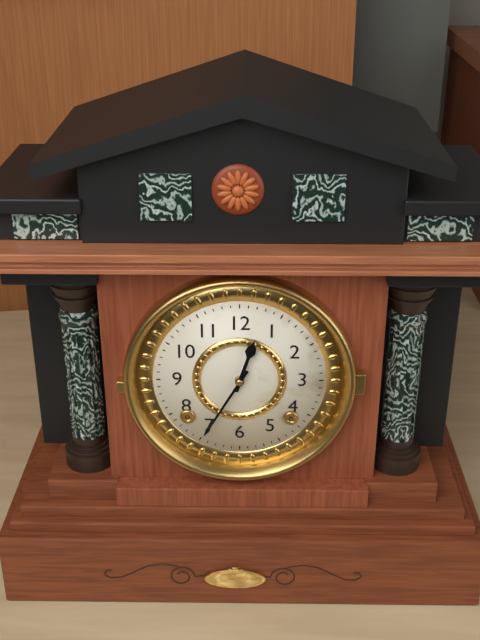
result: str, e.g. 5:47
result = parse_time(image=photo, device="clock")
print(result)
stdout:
12:35
